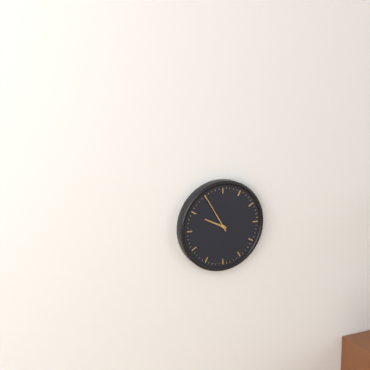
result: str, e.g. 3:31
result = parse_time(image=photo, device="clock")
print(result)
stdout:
9:55
